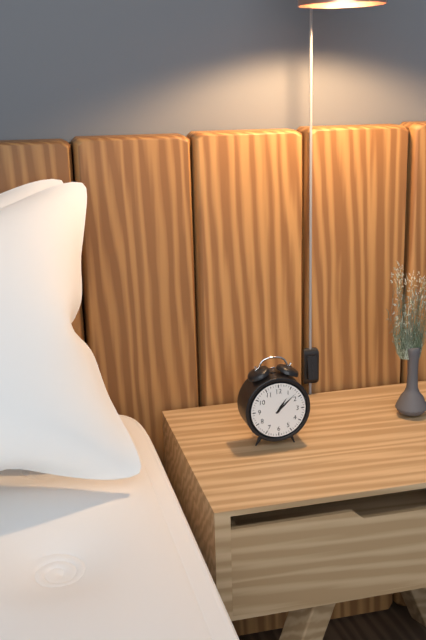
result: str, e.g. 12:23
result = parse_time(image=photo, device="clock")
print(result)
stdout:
1:08
